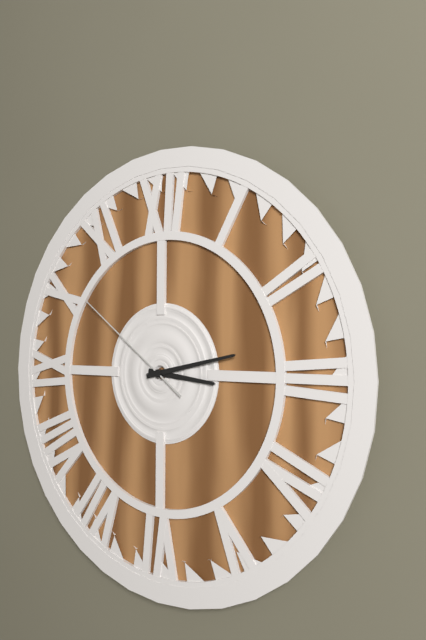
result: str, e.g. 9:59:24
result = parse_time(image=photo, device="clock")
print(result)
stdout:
3:13:51
